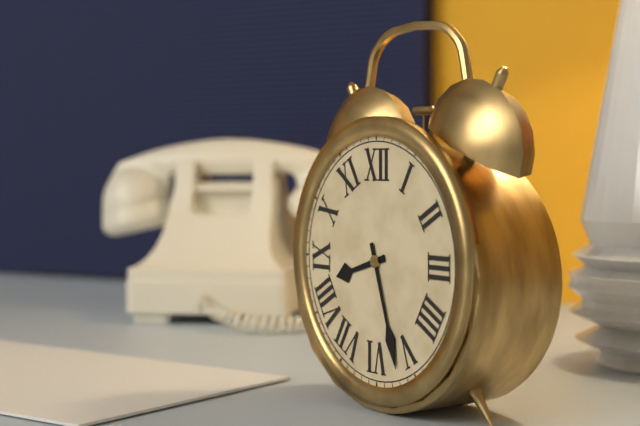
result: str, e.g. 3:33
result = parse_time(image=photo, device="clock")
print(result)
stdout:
8:27
